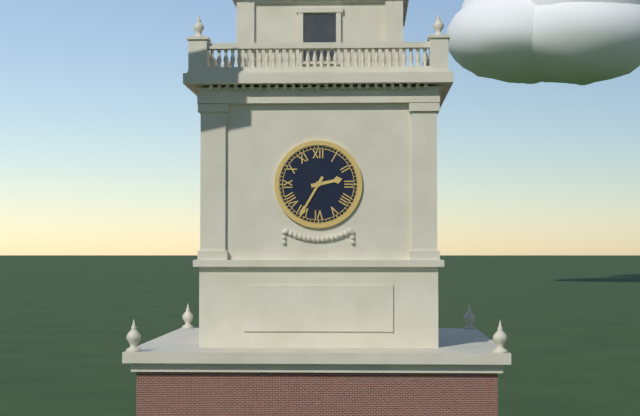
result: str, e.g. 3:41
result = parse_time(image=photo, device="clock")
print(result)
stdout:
2:35
